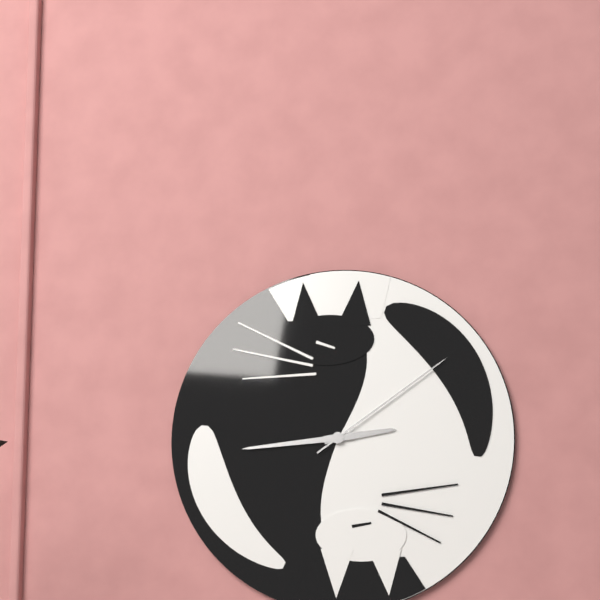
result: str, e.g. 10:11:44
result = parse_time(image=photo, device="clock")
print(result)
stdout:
2:44:09
